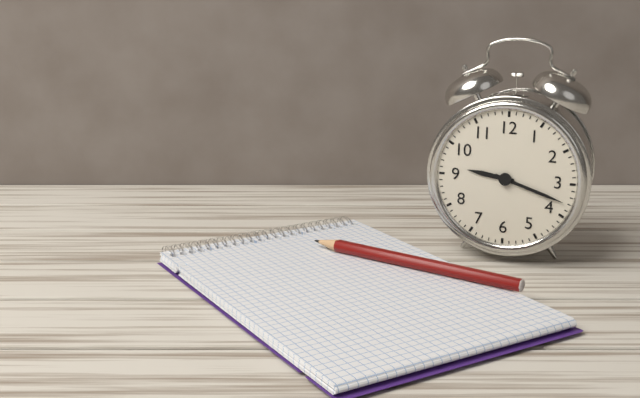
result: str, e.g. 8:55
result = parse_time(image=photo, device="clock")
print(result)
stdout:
9:18
